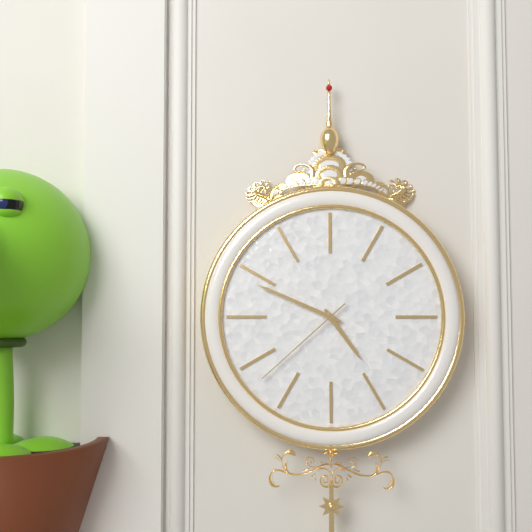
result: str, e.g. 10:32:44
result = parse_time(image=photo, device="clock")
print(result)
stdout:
4:49:38
